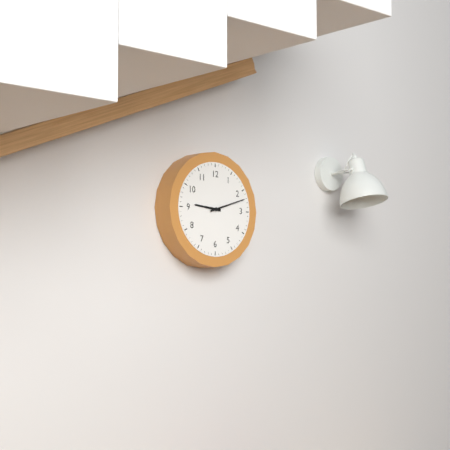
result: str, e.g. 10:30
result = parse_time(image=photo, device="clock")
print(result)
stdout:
9:12
